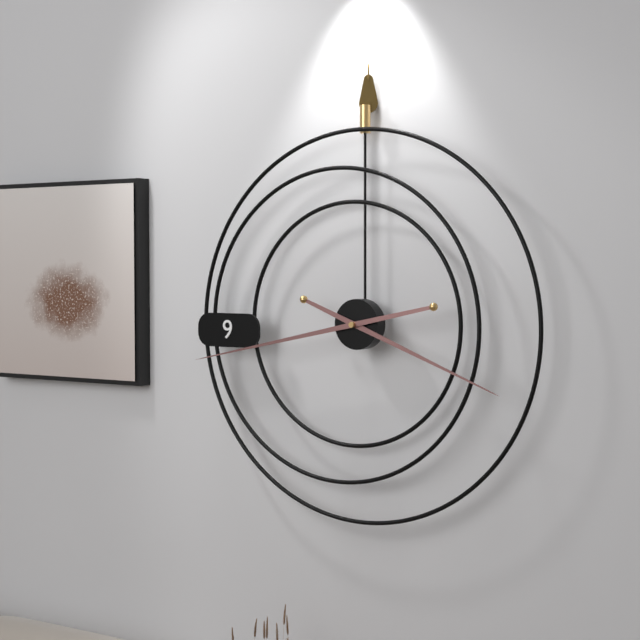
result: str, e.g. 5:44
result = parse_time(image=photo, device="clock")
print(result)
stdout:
3:43
